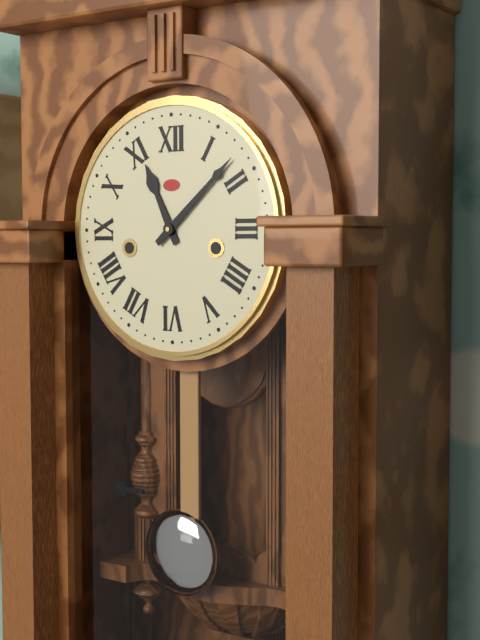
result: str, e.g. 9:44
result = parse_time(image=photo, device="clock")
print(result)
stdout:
11:08
